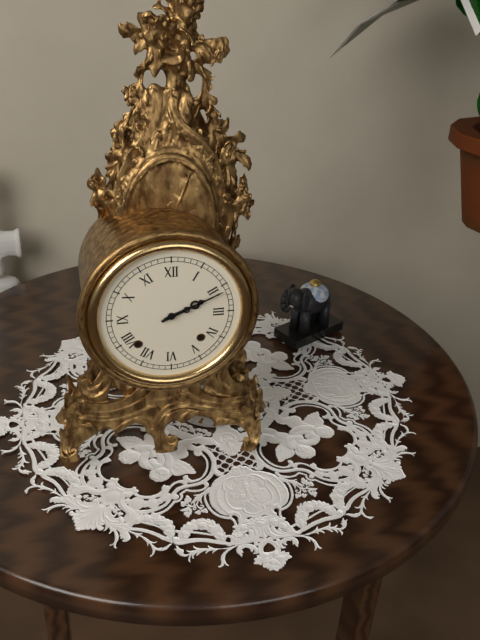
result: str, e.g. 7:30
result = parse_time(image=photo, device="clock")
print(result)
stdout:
2:11
